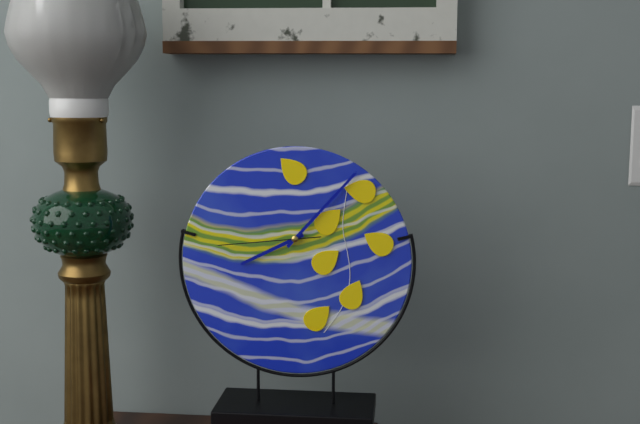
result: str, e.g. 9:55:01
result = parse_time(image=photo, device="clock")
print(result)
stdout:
8:07:44
